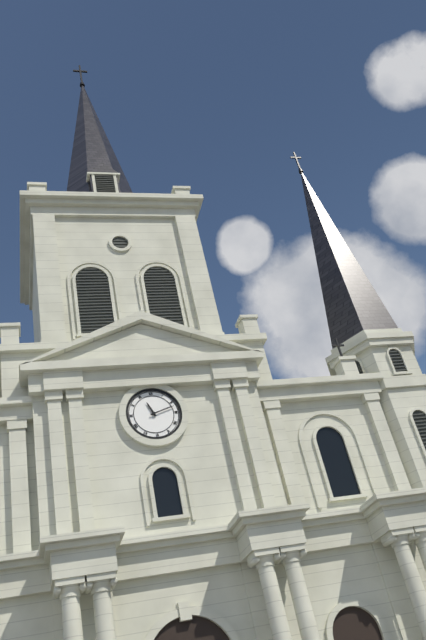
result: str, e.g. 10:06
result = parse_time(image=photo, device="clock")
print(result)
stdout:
11:12
